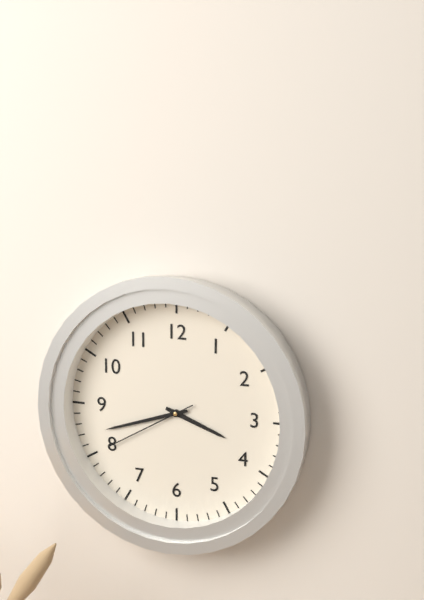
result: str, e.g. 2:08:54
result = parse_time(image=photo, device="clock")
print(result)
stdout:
3:42:40
